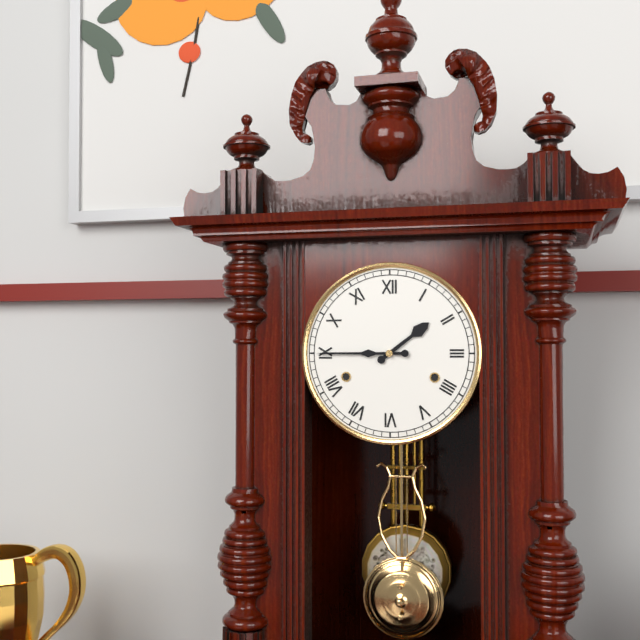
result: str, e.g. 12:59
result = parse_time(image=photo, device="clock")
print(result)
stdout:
1:45
